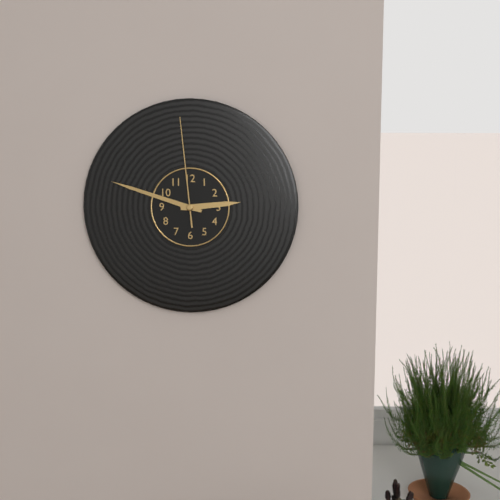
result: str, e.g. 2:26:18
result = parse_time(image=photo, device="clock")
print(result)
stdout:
2:48:59
